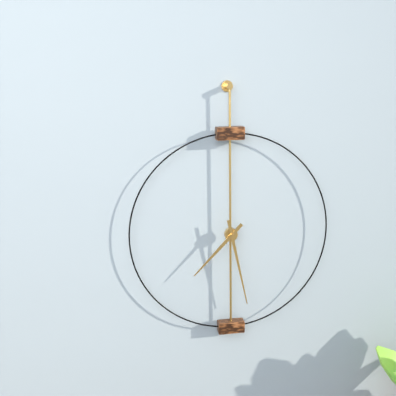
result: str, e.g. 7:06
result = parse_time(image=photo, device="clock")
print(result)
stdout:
7:28
